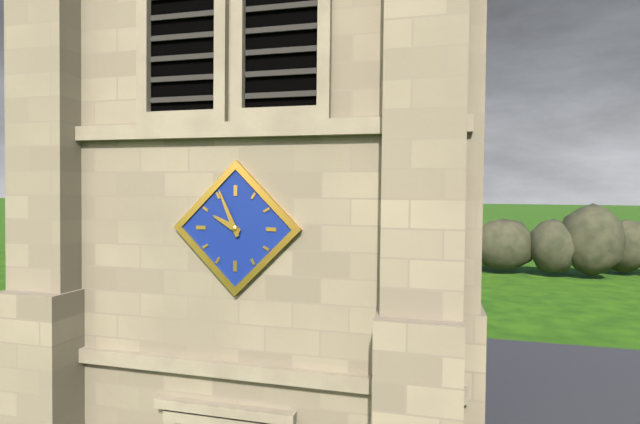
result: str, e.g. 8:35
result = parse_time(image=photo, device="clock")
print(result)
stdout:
9:56
